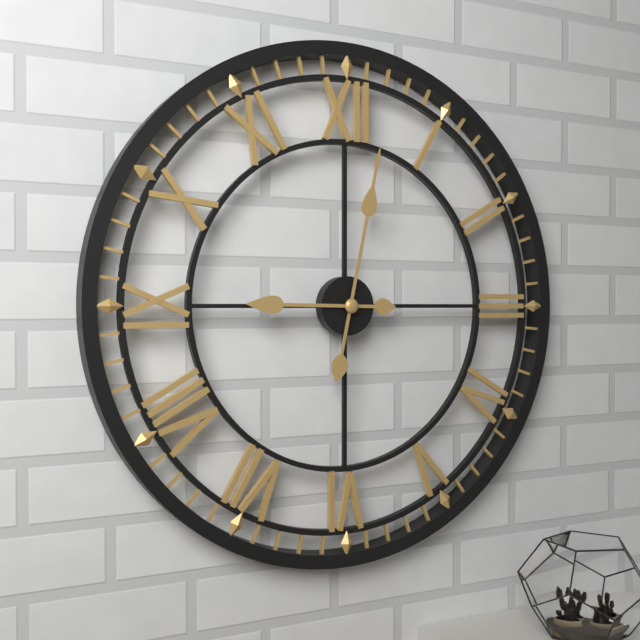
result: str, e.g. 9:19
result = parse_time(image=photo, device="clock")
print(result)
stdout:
9:02
